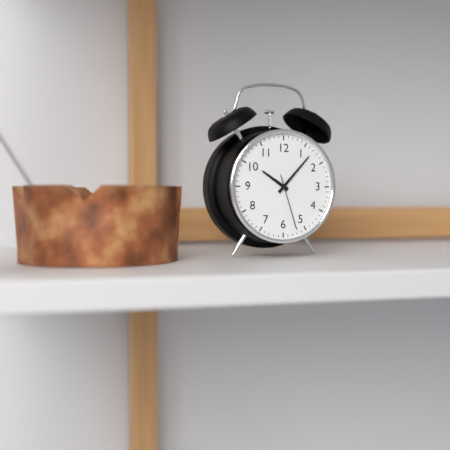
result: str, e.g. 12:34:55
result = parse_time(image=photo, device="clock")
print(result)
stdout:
10:07:27
